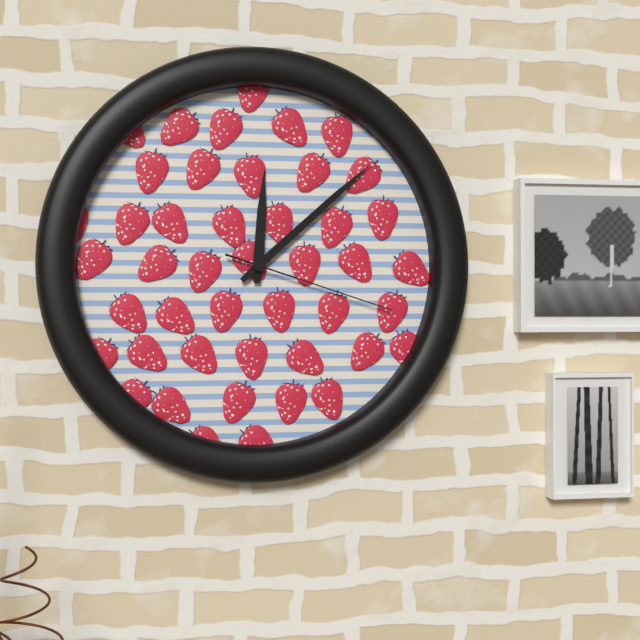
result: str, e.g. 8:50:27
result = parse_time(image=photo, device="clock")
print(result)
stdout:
12:08:18
